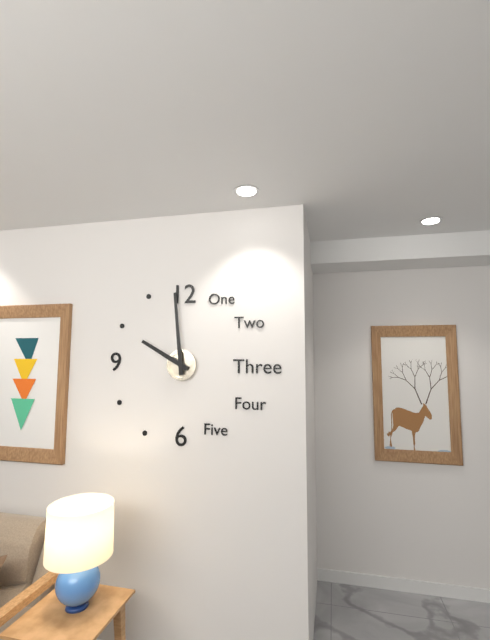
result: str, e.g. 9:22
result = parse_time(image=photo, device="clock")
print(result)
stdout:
9:59
